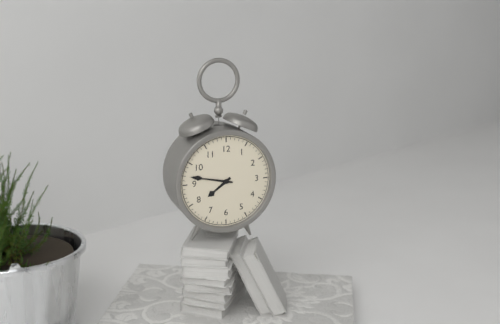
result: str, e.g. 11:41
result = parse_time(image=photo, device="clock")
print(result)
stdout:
7:47
